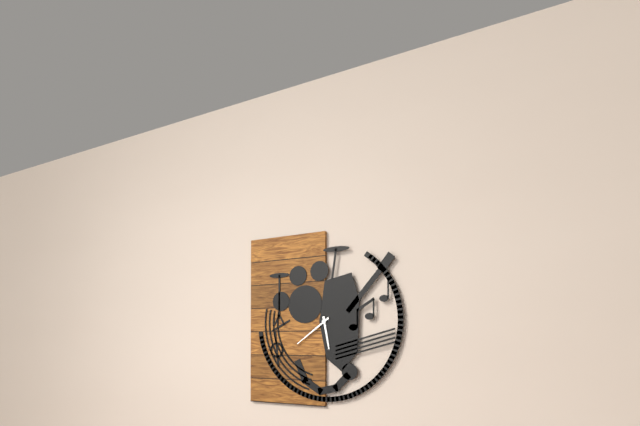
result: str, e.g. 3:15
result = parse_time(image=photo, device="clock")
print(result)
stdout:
5:39
